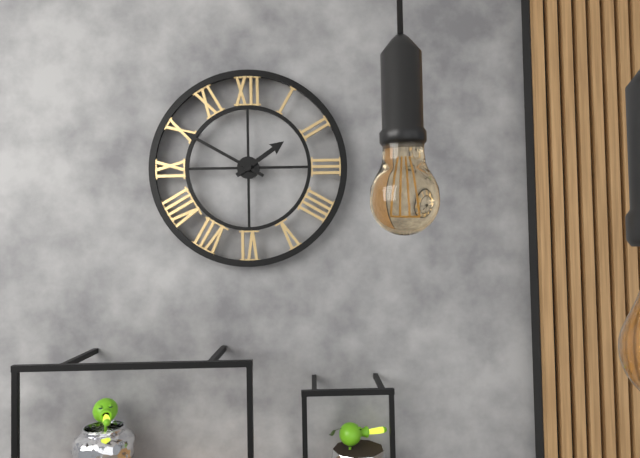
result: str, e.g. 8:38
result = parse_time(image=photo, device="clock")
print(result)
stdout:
1:50
